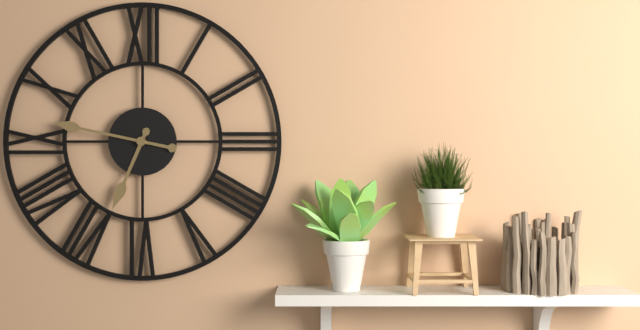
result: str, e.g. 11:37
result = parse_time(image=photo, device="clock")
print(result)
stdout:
6:47
